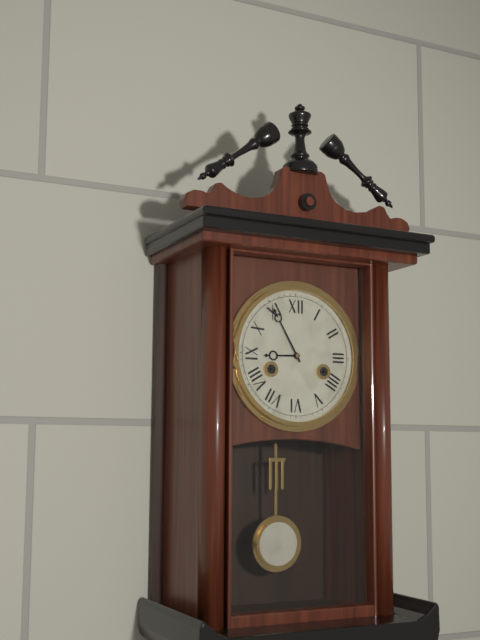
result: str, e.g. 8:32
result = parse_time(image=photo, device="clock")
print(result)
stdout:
8:55
